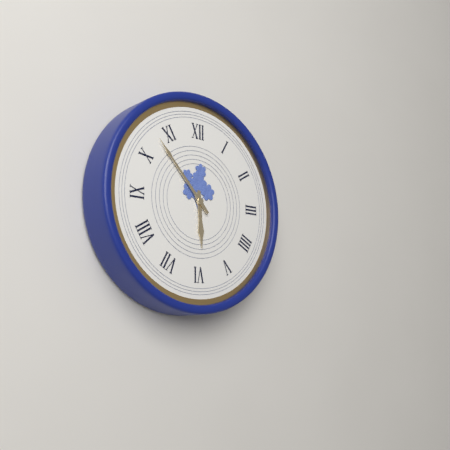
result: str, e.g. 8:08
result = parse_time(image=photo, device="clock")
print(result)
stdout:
5:53
